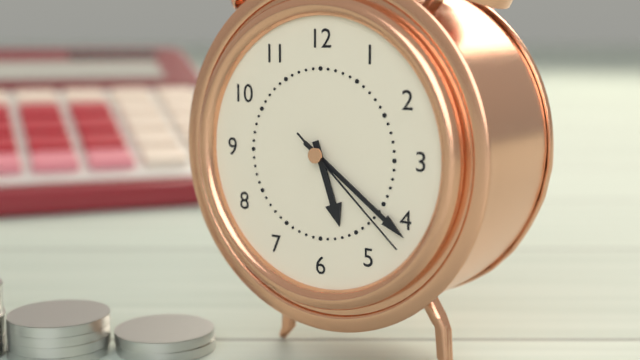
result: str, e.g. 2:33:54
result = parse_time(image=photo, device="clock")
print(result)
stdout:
5:21:22
